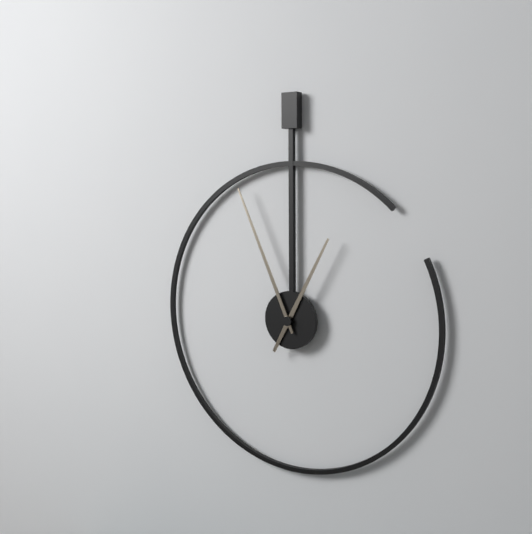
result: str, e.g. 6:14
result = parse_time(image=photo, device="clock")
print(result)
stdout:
12:56
